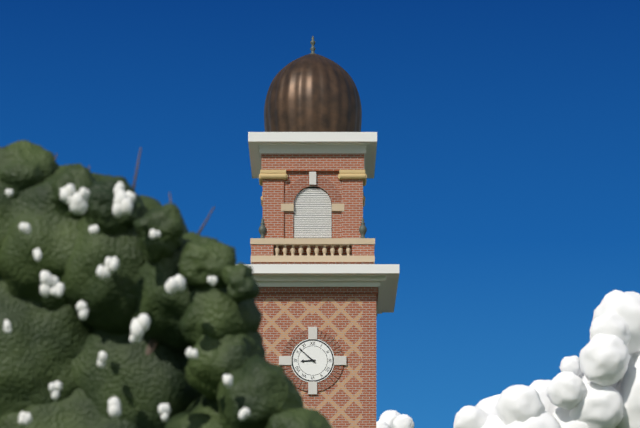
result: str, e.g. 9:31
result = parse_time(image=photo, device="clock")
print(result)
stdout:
8:52
